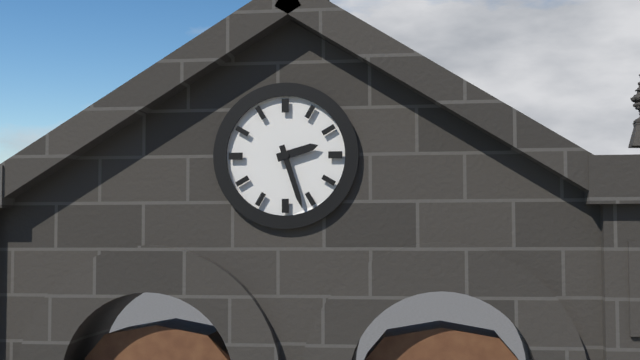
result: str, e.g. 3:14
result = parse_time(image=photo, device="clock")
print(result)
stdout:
2:27
